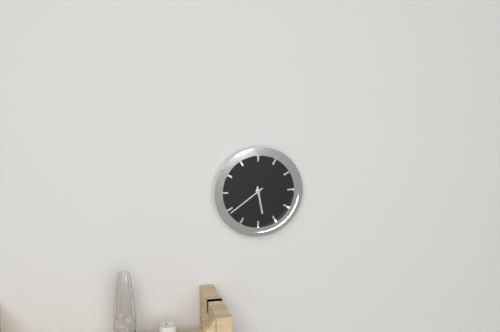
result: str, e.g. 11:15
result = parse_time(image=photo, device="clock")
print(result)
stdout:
5:39
